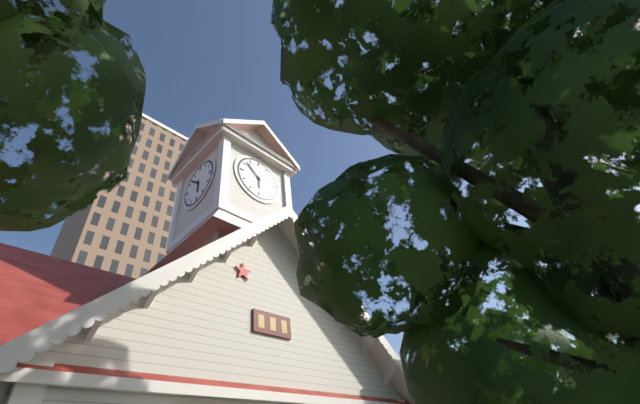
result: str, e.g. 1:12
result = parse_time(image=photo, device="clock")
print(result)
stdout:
5:52
